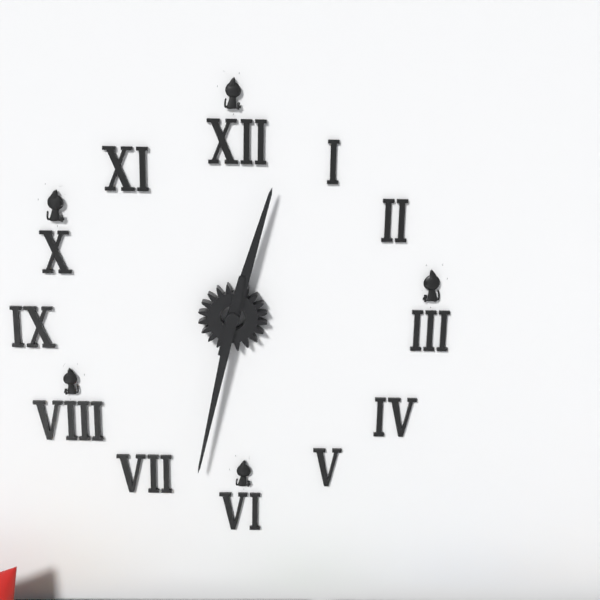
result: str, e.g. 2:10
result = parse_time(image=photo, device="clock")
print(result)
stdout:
12:32
